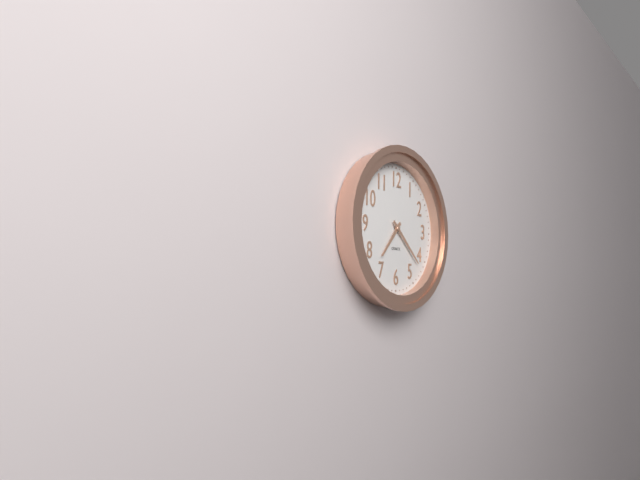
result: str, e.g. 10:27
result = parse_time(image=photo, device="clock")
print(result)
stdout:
7:22
